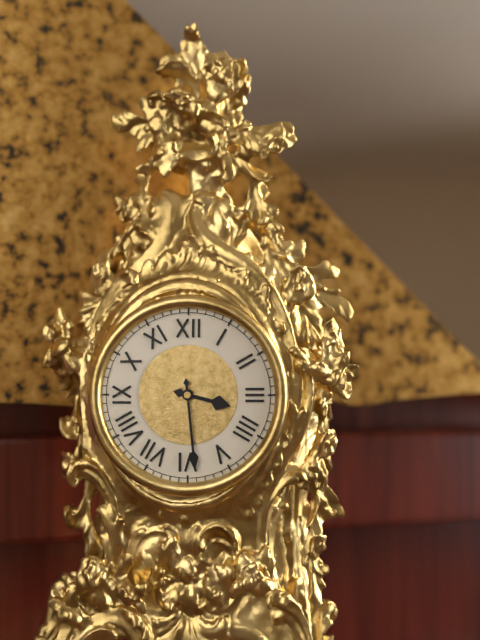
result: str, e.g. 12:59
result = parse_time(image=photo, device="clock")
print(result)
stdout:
3:29
